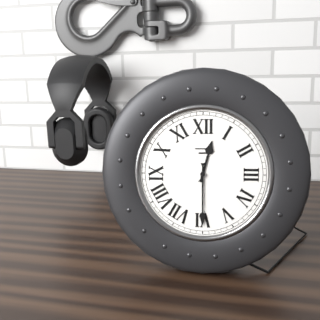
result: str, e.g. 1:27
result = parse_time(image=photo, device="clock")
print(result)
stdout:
12:30
